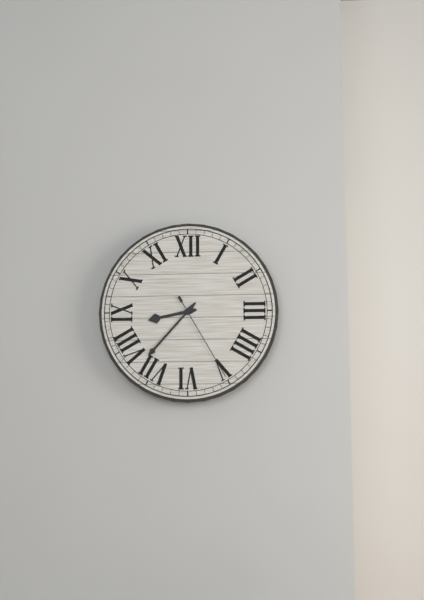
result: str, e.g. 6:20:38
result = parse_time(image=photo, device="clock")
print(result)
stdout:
8:37:25
